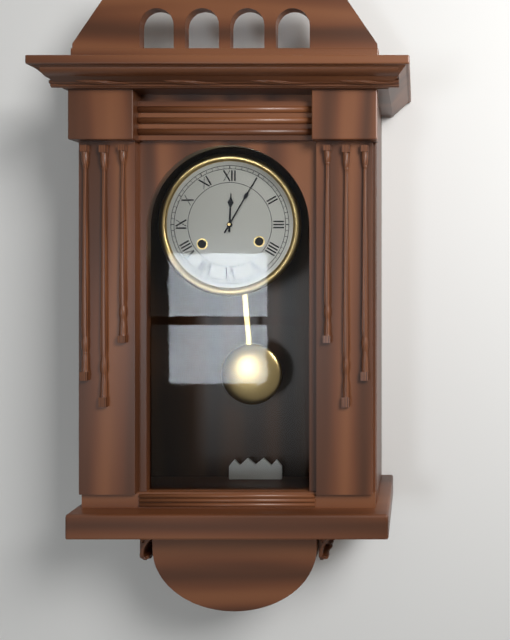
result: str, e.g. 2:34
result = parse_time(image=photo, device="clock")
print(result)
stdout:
12:05
